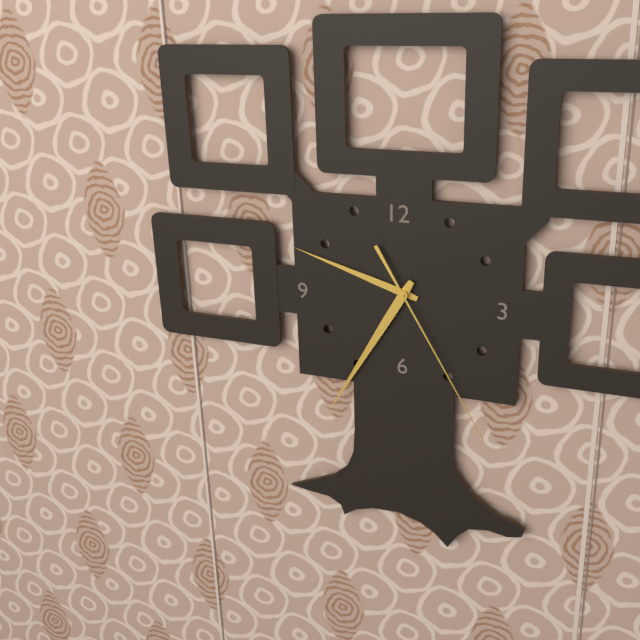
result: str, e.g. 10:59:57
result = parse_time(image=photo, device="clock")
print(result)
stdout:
9:35:25
